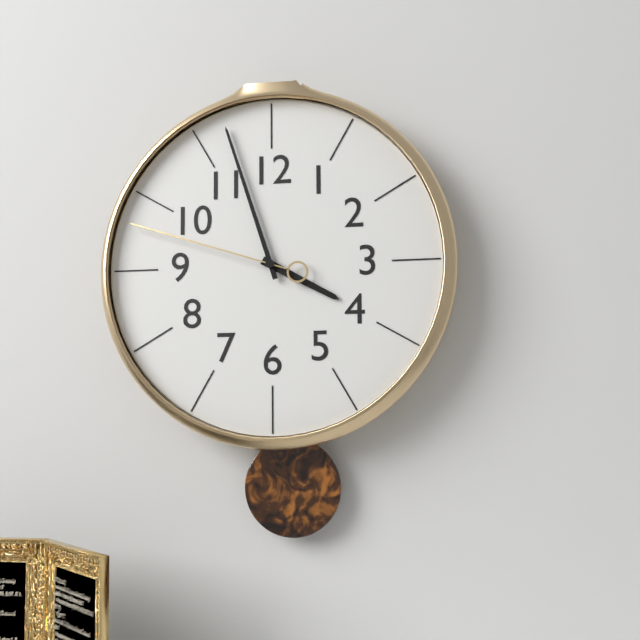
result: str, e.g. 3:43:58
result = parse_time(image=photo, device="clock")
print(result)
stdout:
3:57:48
